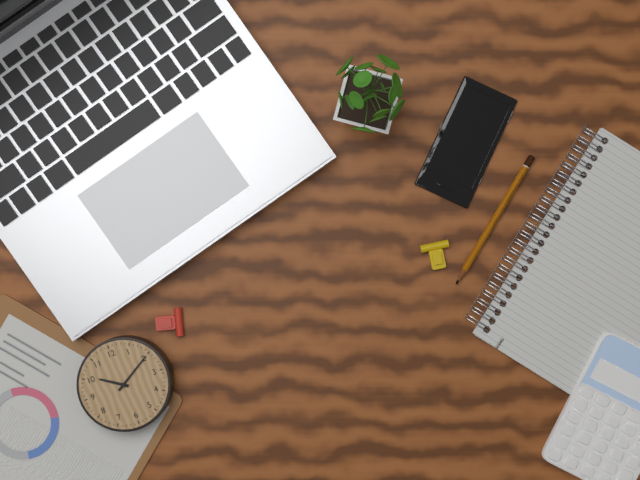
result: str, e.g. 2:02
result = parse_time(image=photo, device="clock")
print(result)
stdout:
10:10
